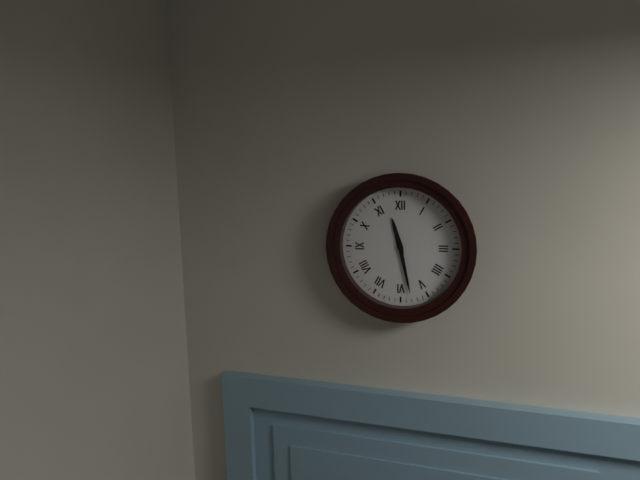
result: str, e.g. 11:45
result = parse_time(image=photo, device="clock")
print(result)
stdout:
11:28
